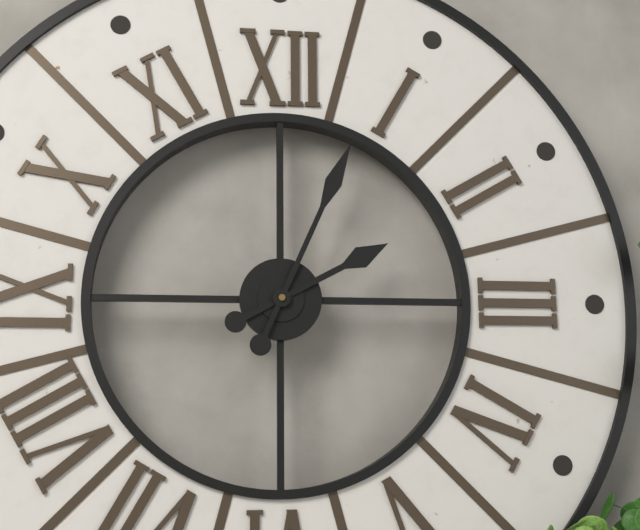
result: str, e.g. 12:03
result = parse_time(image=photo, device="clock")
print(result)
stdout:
2:04
